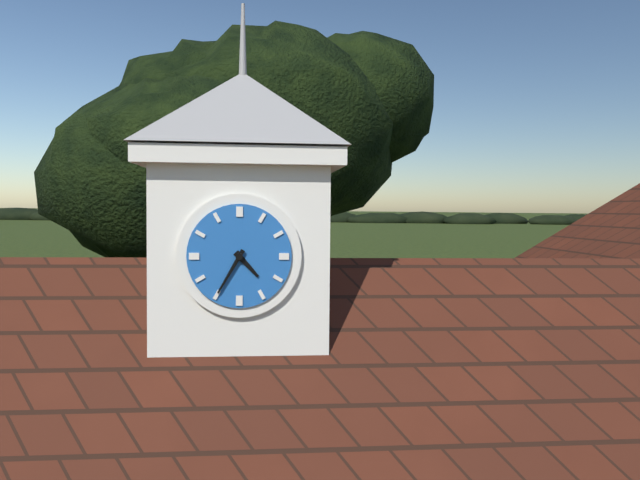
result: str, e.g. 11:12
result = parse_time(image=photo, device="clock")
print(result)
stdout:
4:35
